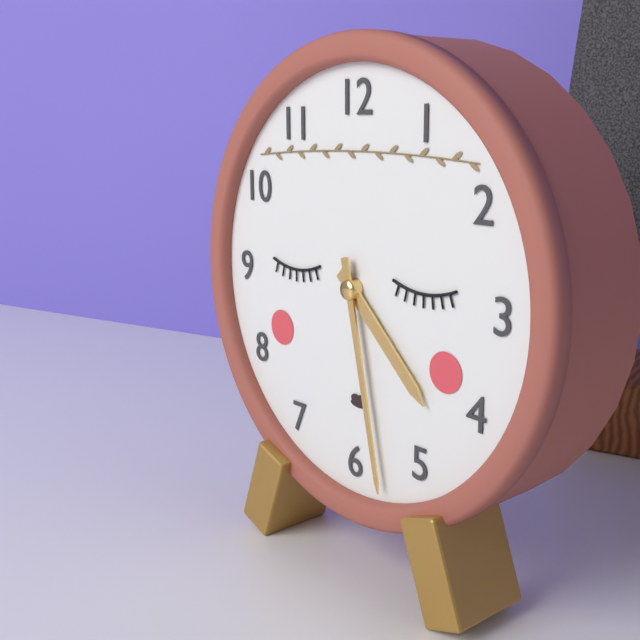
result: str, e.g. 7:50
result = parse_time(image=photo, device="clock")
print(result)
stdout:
4:28
